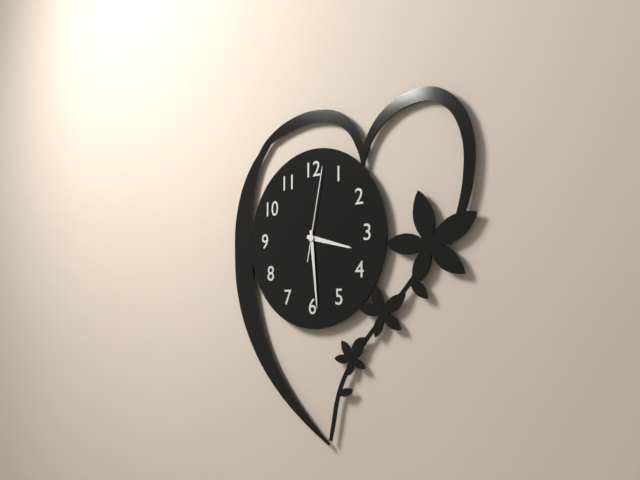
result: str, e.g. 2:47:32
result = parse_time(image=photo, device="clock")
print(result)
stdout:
3:29:02
